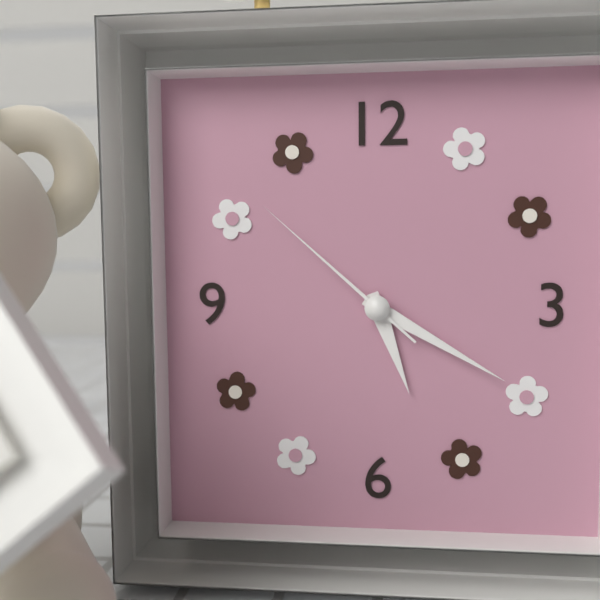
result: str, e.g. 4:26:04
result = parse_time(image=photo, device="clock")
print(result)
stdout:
5:20:52
